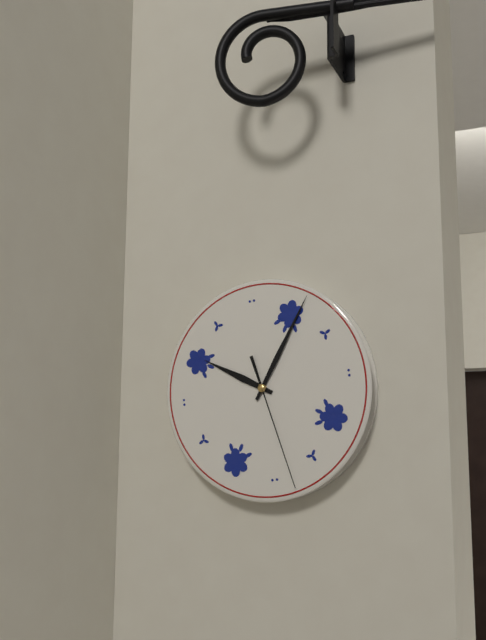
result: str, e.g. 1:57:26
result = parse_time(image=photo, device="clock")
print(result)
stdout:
10:06:28
